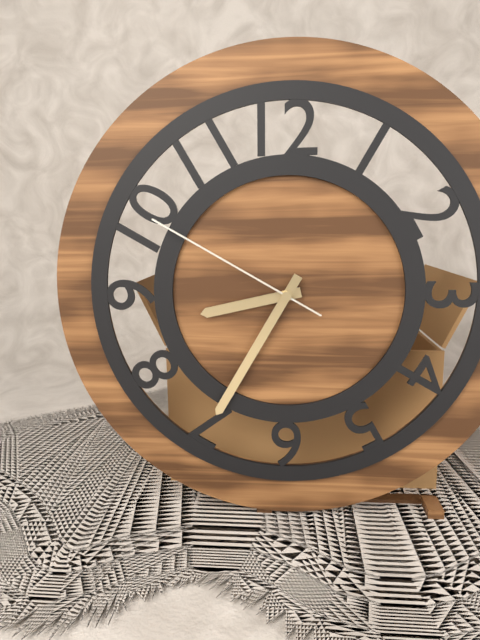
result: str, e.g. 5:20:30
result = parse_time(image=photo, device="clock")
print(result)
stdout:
8:35:50
